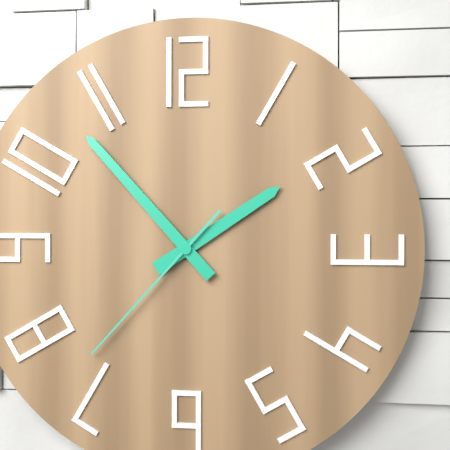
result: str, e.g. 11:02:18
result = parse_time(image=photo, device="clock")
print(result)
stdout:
1:53:37
